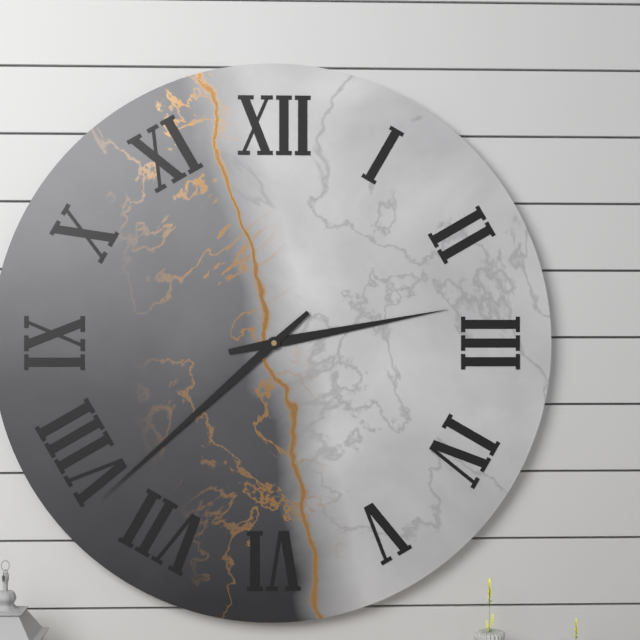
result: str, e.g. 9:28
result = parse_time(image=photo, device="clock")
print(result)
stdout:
2:38
